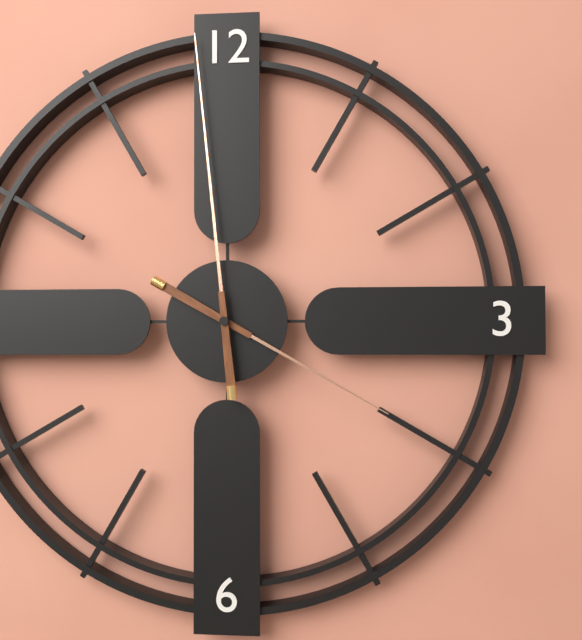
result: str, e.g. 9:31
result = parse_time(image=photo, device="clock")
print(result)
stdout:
3:59
